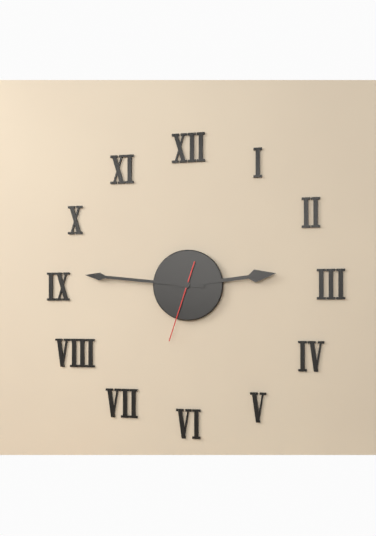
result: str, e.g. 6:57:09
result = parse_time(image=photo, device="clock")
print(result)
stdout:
2:46:33
